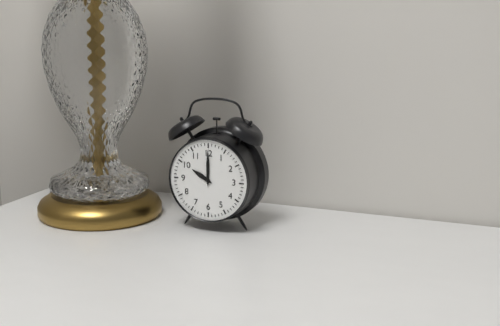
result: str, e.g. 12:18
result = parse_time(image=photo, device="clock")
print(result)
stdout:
10:00
